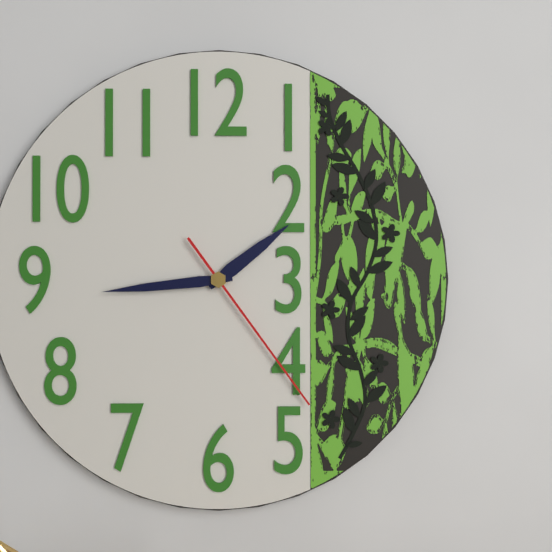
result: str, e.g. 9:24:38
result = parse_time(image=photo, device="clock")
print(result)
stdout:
1:44:24
